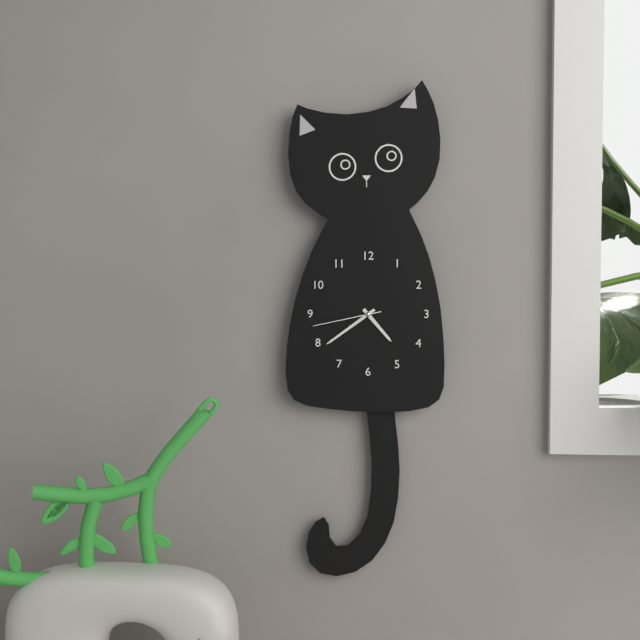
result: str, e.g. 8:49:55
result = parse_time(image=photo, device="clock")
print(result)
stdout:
4:39:43
